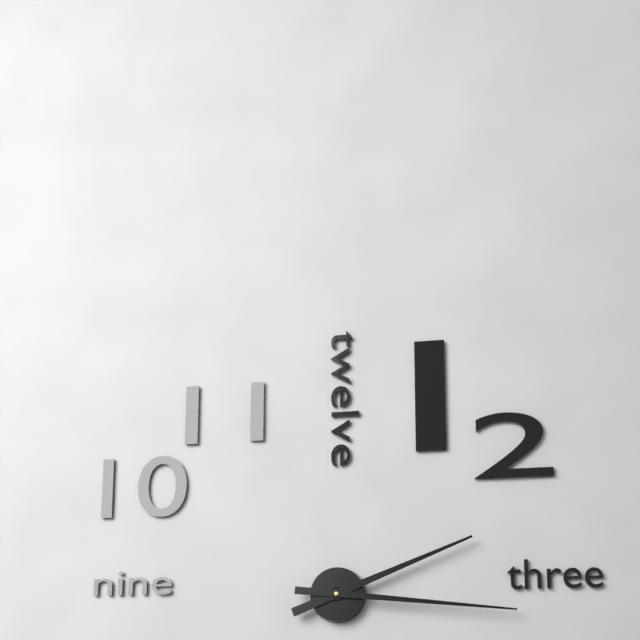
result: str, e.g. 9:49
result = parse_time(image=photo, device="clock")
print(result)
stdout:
2:16
